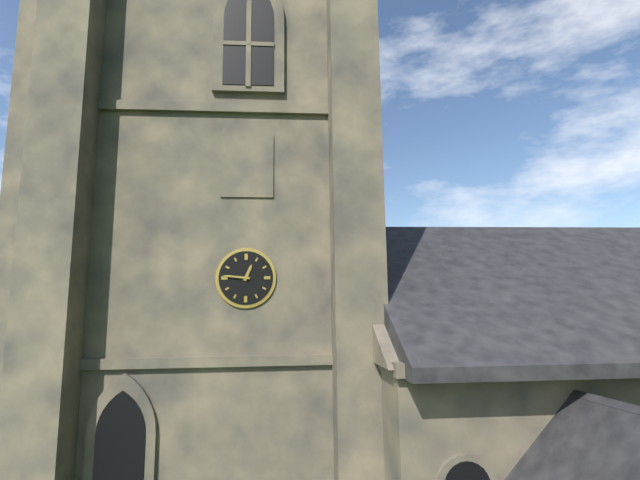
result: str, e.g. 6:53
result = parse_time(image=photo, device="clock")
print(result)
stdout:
12:46
